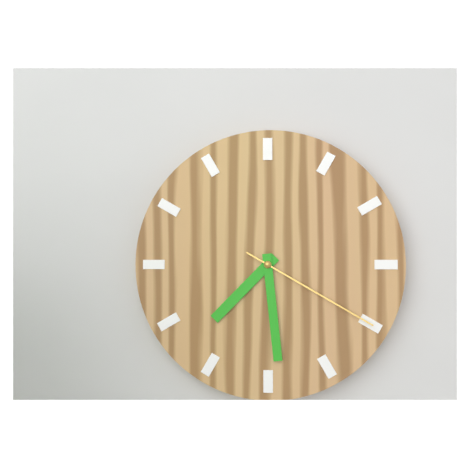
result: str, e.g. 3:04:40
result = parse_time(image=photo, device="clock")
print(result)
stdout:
7:29:20
